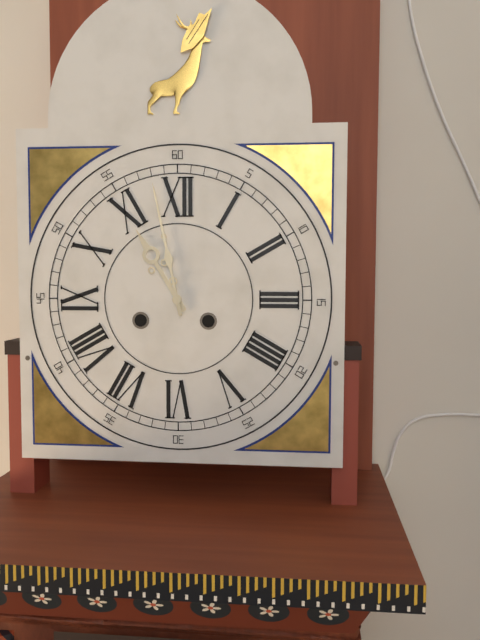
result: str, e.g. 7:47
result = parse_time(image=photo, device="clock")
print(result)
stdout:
10:58
